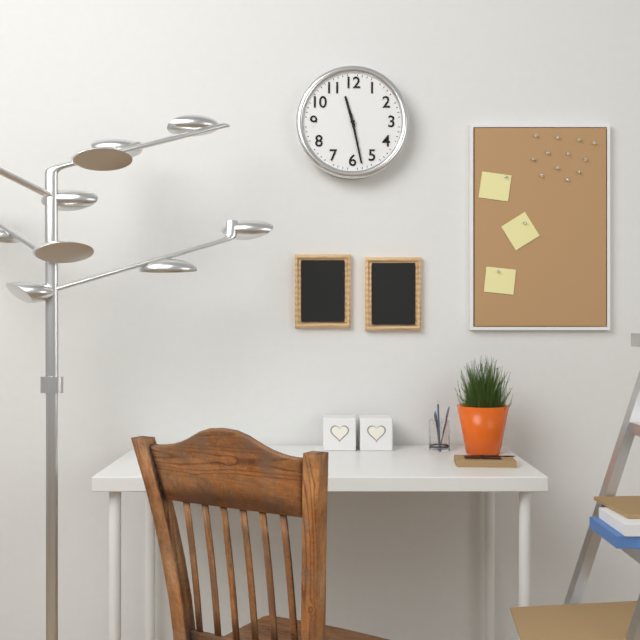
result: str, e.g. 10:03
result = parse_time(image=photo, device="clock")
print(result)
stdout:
11:28
